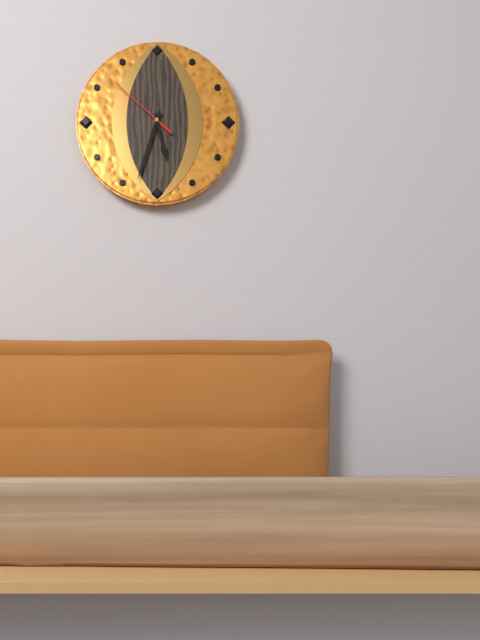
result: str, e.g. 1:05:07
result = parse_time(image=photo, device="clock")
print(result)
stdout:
5:33:52
